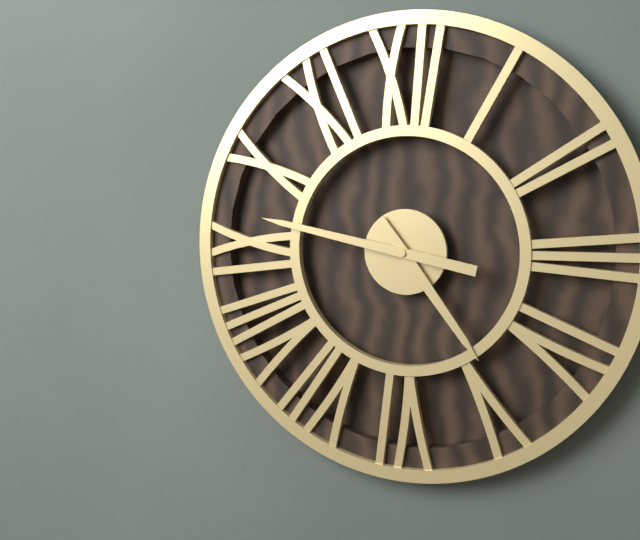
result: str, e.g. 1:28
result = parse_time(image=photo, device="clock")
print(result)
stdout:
4:47
